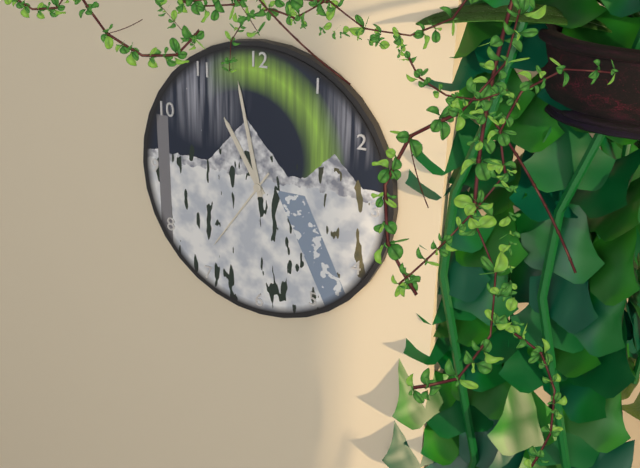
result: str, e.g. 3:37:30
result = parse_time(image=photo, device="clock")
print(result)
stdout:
10:58:36
